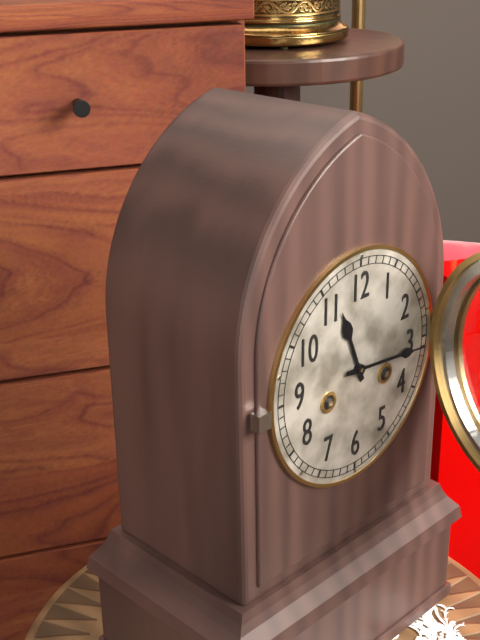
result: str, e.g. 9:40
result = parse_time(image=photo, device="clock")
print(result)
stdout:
11:16
